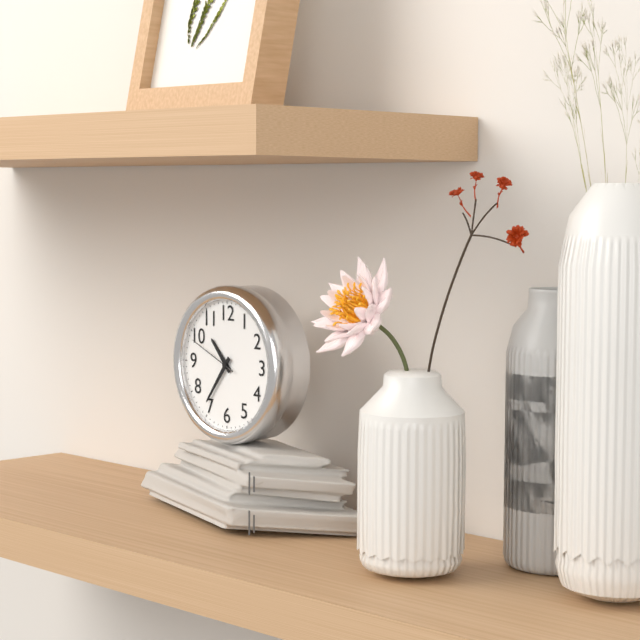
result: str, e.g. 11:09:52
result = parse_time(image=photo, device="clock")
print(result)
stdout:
10:36:49
